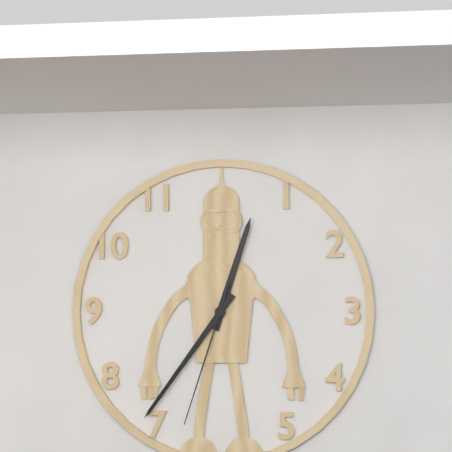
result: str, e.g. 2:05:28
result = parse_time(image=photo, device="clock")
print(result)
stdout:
12:36:33
